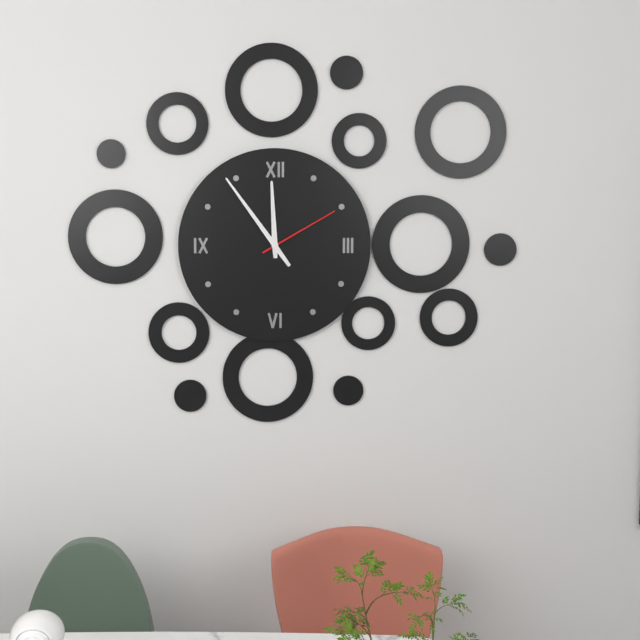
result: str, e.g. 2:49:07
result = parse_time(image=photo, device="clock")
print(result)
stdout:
11:54:10
